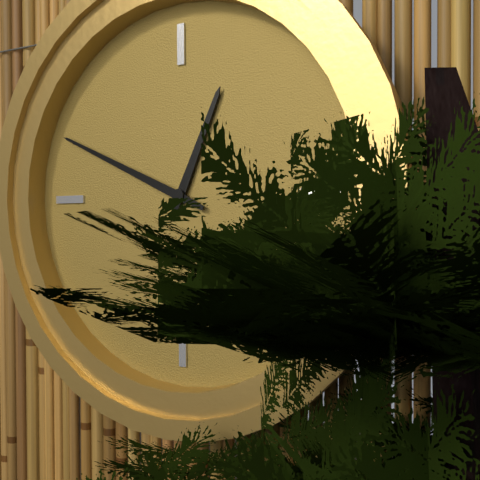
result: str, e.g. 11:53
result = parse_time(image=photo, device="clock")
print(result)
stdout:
12:49
